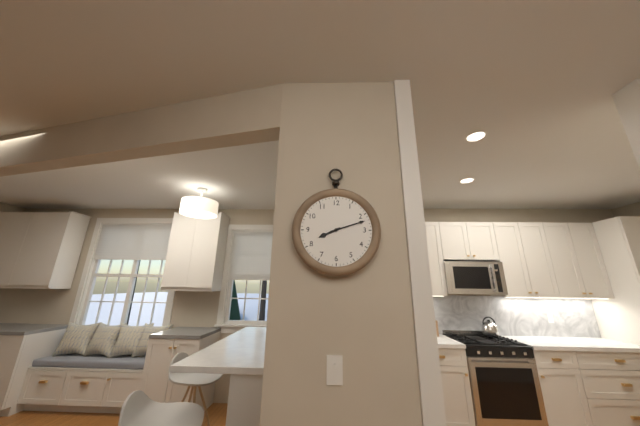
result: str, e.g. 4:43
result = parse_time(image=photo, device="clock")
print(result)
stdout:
8:12
